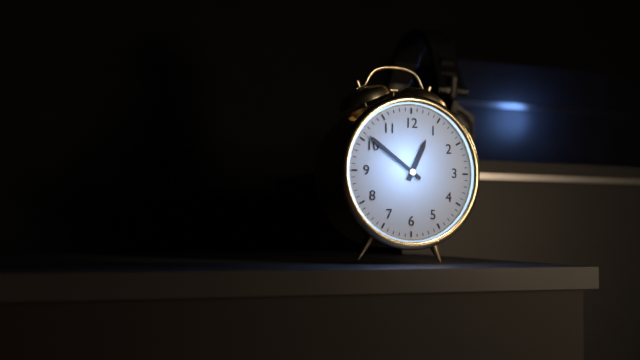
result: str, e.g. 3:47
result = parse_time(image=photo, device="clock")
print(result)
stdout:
12:51
